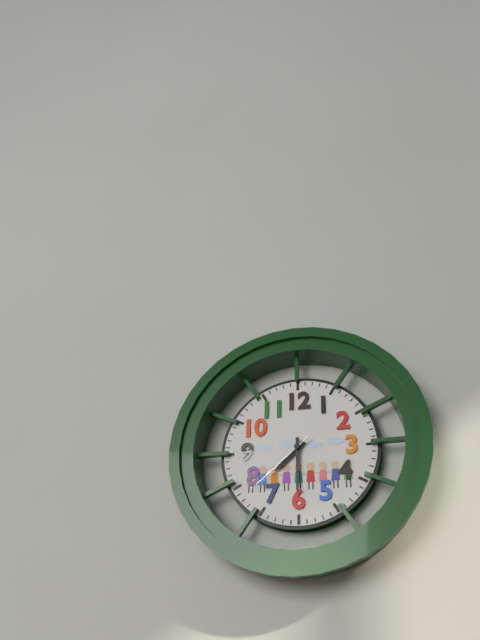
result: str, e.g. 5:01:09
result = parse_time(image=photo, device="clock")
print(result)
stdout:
7:30:38
